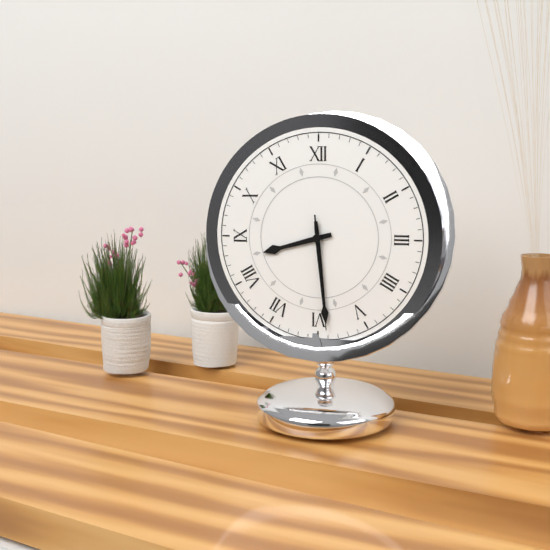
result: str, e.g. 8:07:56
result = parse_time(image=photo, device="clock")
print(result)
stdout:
8:29:29
